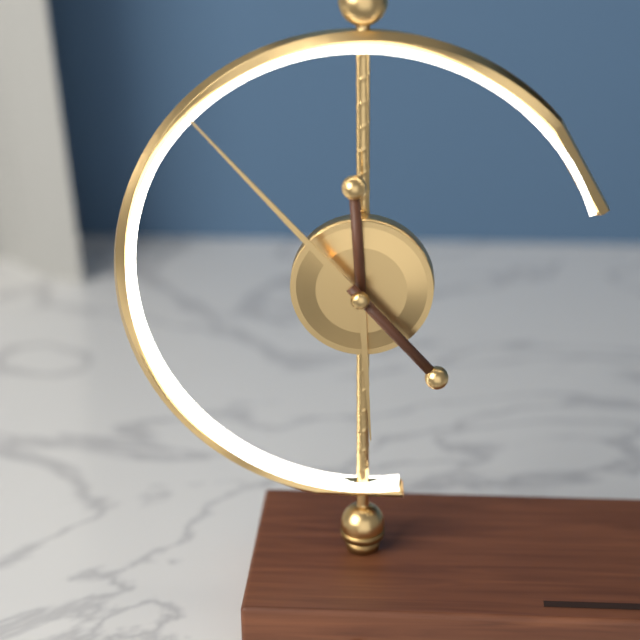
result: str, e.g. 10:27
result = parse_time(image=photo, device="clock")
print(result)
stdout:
5:53
